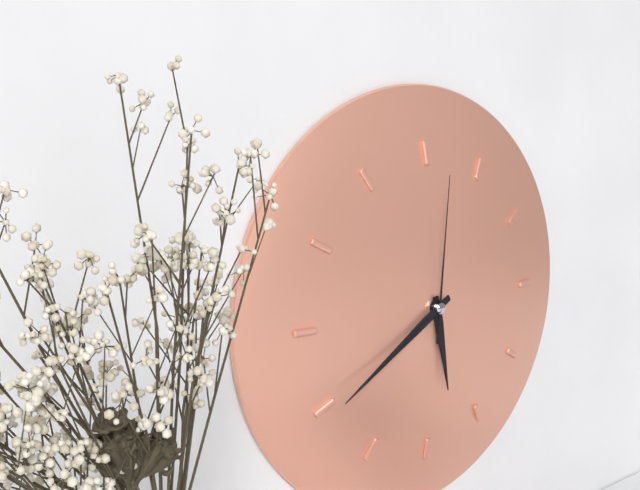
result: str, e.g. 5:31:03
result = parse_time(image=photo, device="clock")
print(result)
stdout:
5:40:01
